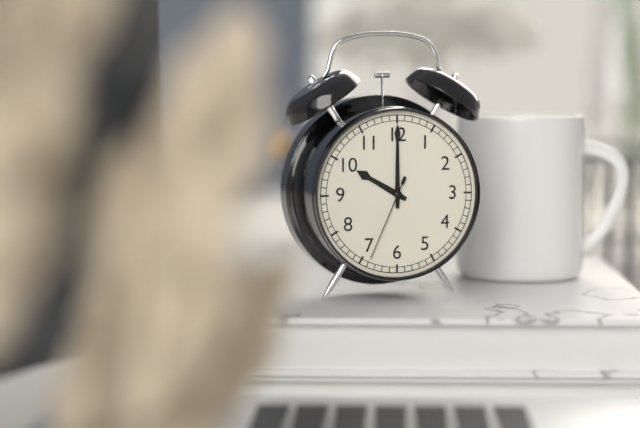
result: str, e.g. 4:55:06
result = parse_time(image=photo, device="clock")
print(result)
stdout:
10:00:34
